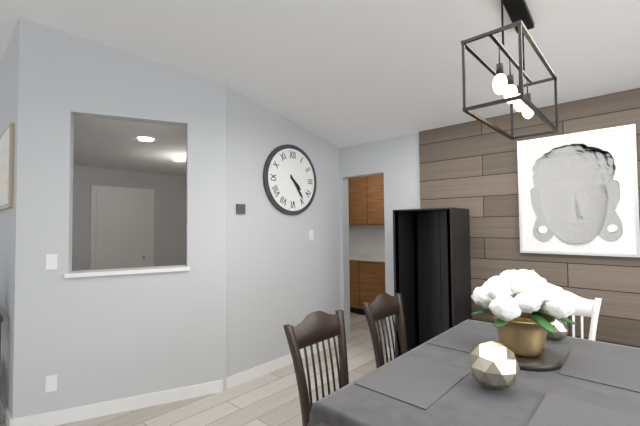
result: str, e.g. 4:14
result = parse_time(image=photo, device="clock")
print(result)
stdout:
4:24
